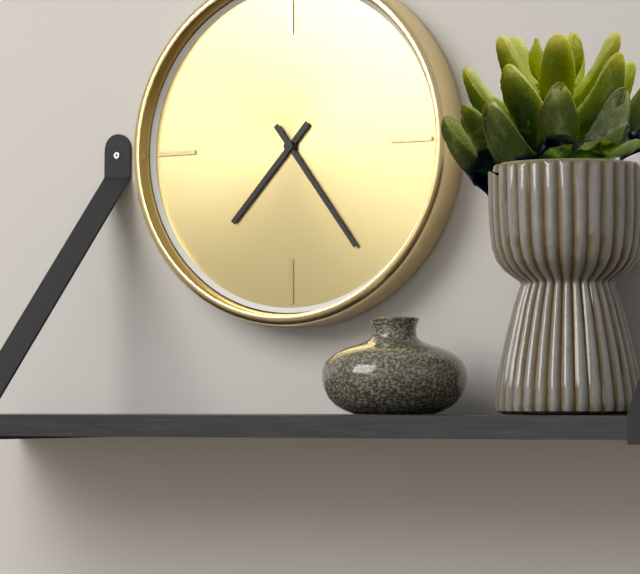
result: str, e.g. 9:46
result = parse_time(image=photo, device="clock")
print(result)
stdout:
7:24
